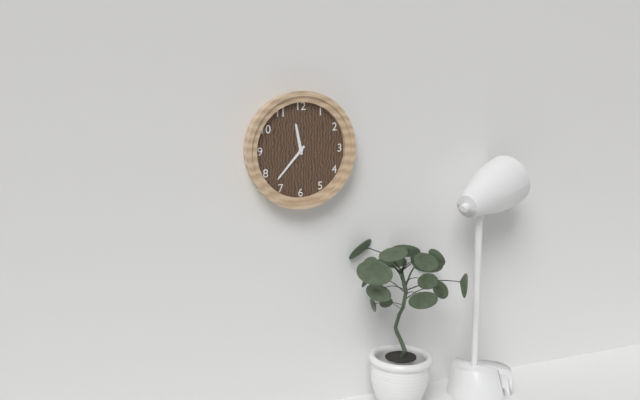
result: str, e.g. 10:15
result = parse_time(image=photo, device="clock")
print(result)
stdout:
11:37
